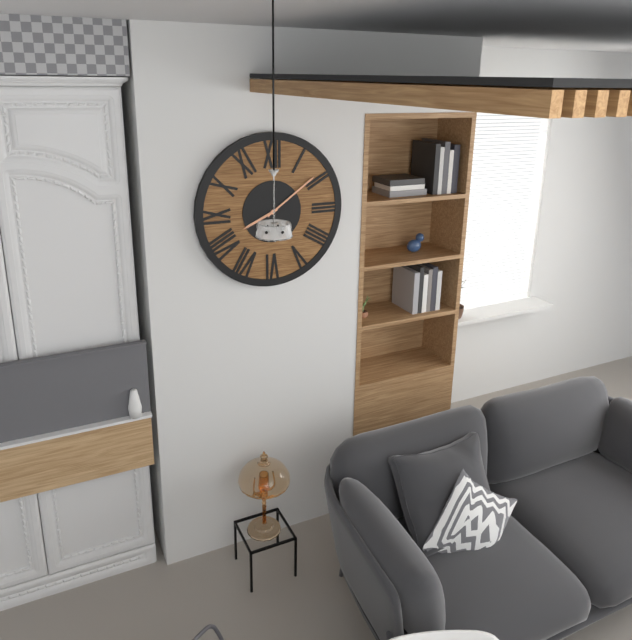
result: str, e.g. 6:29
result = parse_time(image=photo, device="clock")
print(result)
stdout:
8:09
